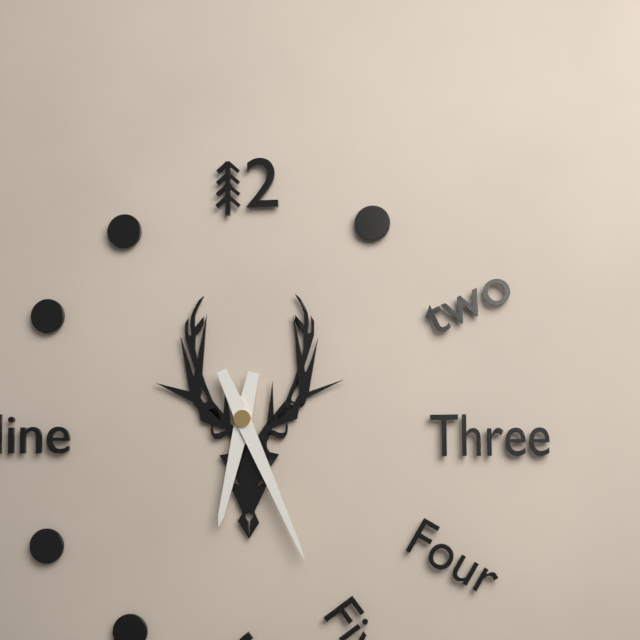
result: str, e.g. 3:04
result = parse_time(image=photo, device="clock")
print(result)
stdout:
6:26
